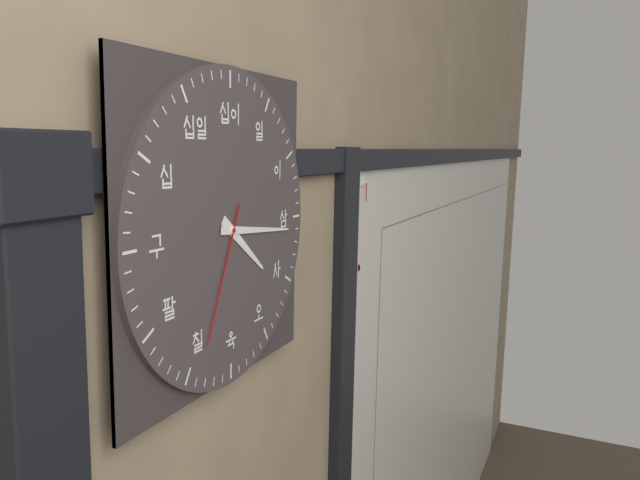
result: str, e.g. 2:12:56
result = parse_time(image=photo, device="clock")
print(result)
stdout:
4:16:34
